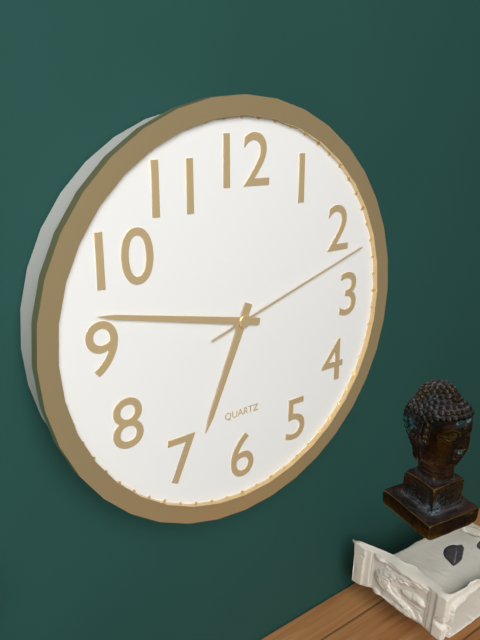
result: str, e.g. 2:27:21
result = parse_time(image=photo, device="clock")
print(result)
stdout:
6:47:12
